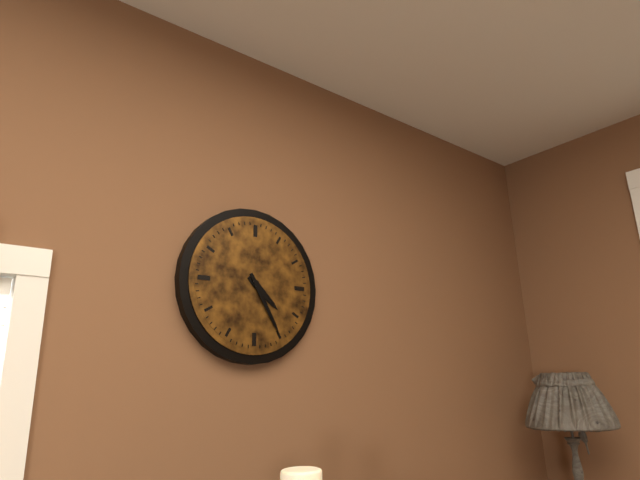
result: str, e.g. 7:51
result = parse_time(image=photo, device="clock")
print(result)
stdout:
4:25
